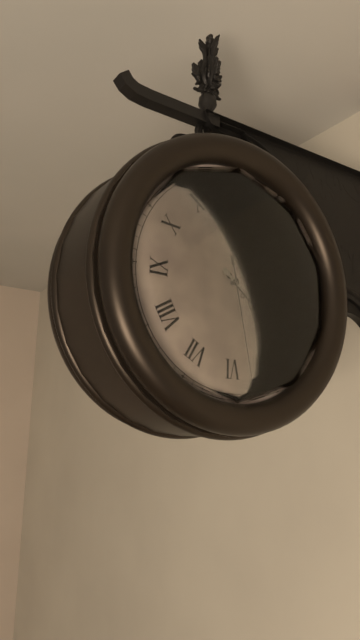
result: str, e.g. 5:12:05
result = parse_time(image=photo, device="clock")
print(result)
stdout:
4:21:28
